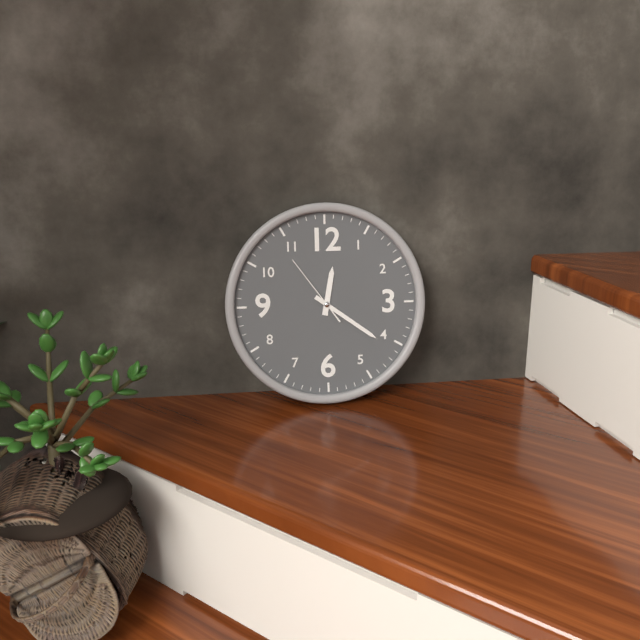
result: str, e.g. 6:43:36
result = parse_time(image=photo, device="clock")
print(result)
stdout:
12:21:54
